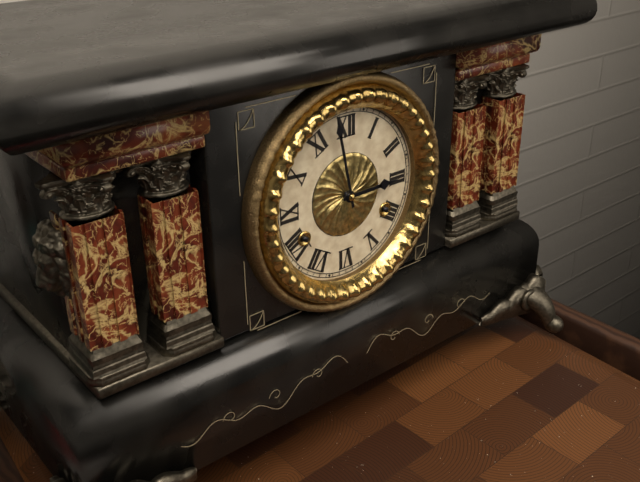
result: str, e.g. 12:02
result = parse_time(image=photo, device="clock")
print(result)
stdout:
2:58
